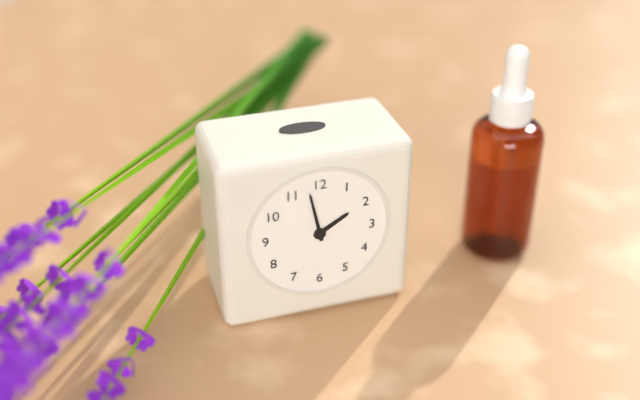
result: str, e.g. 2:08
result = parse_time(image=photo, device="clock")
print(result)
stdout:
1:58
